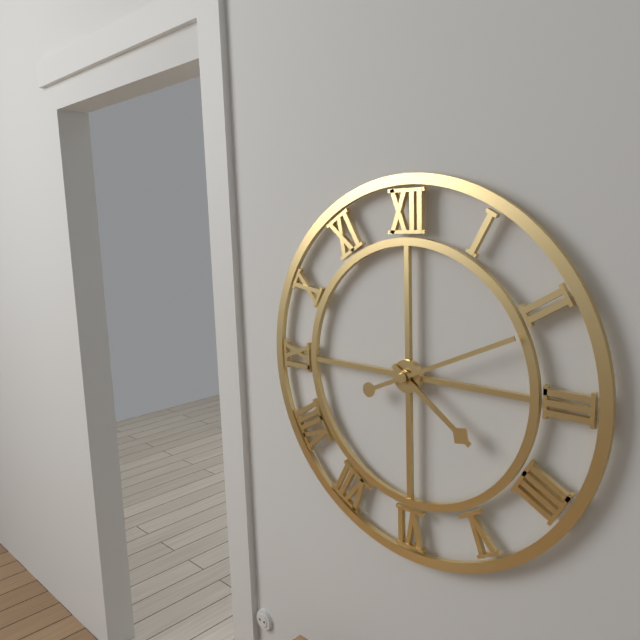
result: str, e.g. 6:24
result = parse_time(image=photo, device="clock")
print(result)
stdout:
4:11
